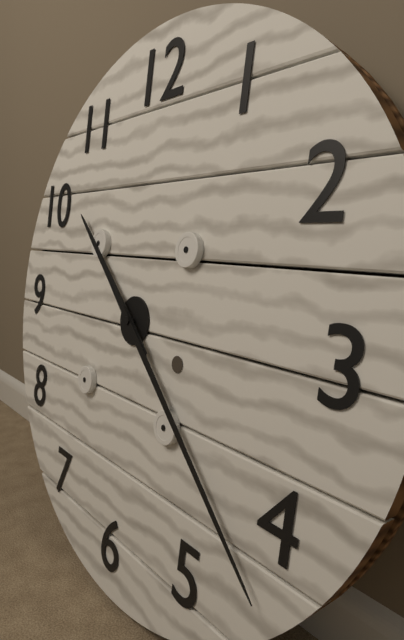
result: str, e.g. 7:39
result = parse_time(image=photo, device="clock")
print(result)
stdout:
10:22
